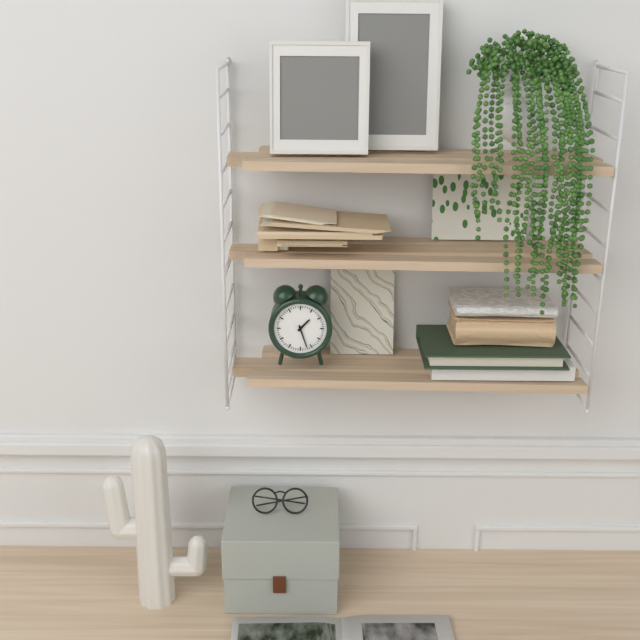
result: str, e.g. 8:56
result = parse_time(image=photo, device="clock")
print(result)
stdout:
1:27
